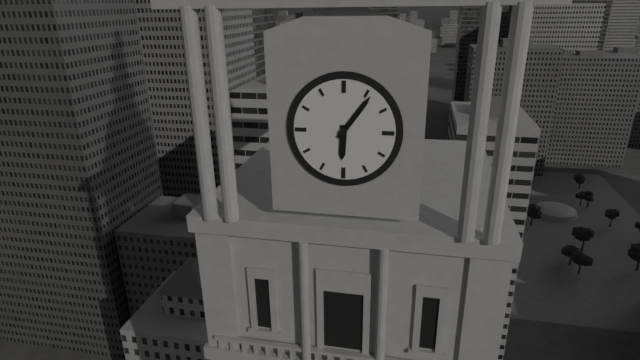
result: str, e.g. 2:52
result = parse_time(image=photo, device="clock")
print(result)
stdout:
6:06
